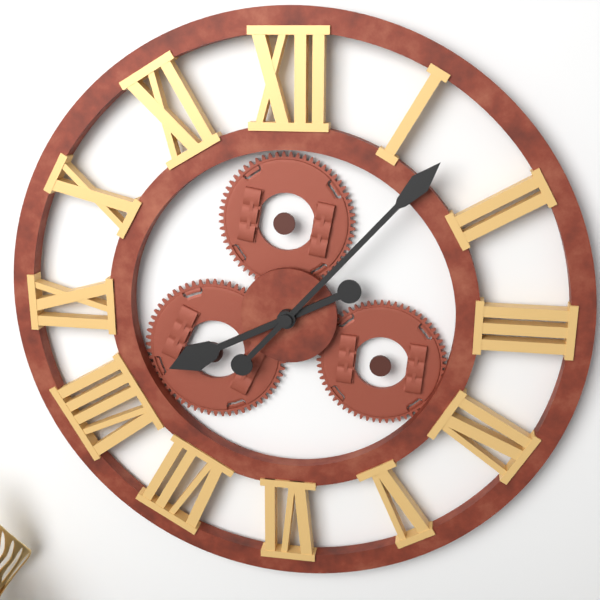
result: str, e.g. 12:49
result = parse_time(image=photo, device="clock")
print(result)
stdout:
8:07
